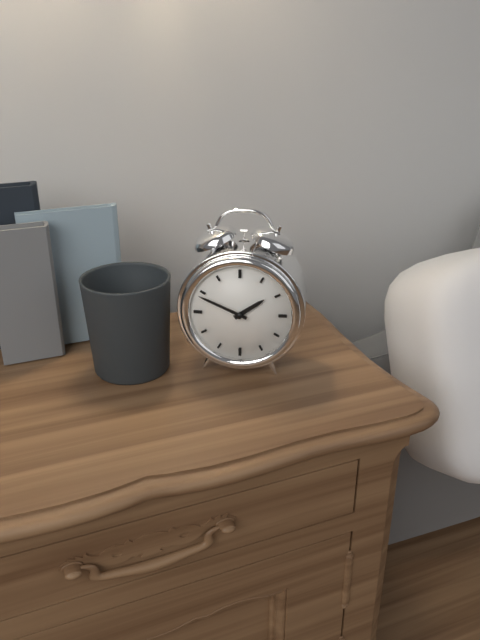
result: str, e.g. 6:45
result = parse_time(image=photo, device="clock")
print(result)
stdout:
1:49
